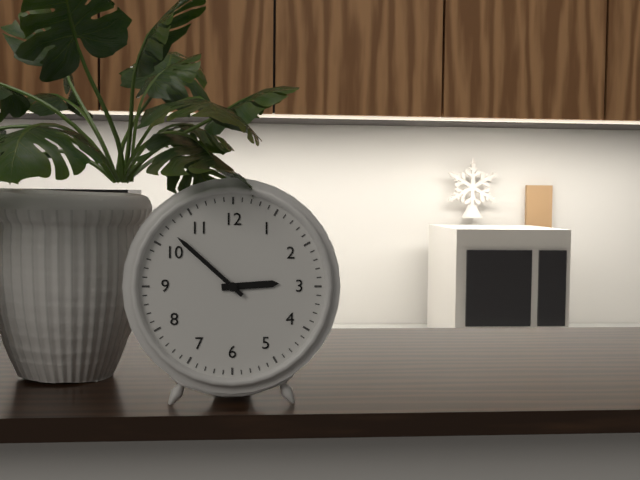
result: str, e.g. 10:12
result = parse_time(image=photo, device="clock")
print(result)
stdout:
2:52
